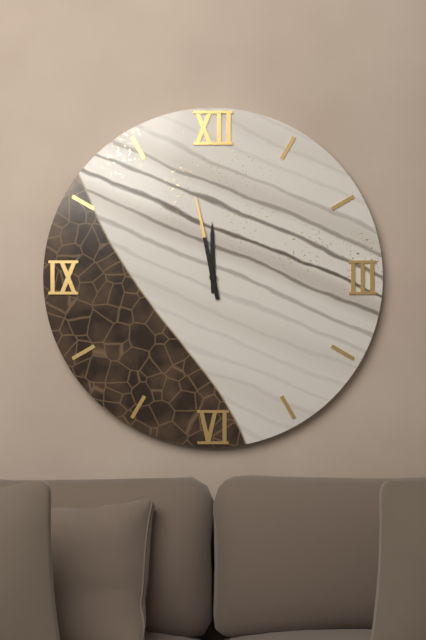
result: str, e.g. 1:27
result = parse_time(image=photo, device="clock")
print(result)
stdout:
11:58
